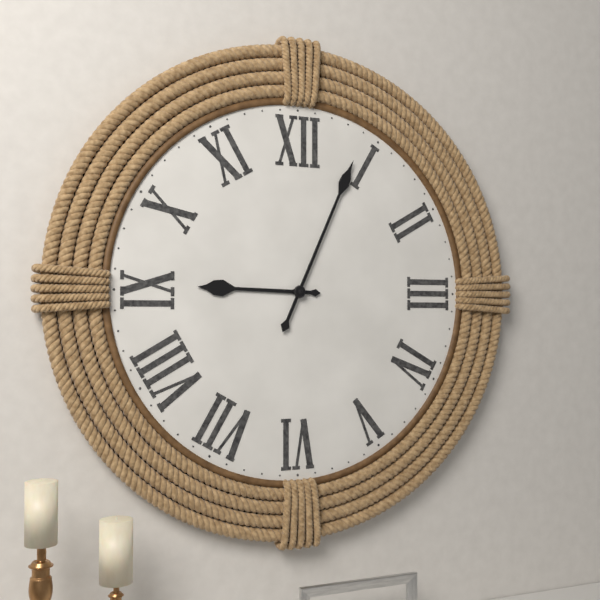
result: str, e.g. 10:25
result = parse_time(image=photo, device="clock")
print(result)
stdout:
9:04
